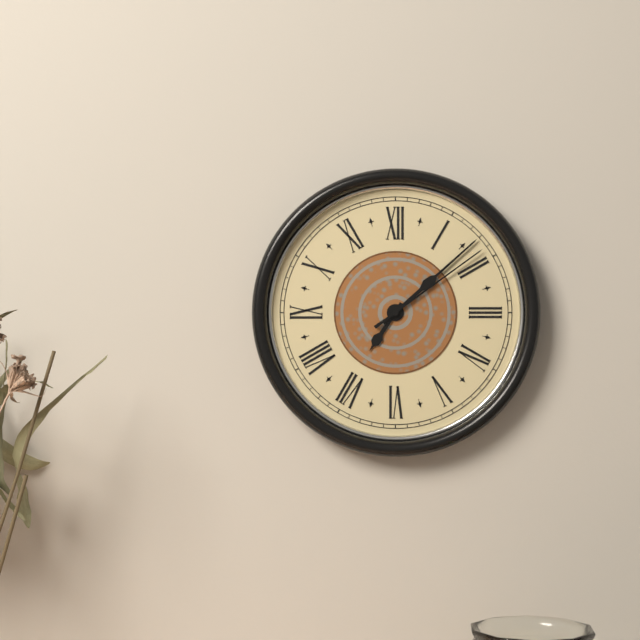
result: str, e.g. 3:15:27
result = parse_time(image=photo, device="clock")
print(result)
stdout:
7:08:09
